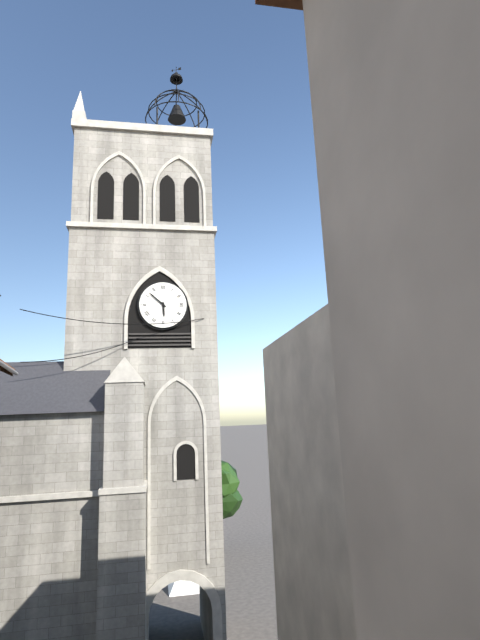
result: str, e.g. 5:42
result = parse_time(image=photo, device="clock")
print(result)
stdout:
5:52
